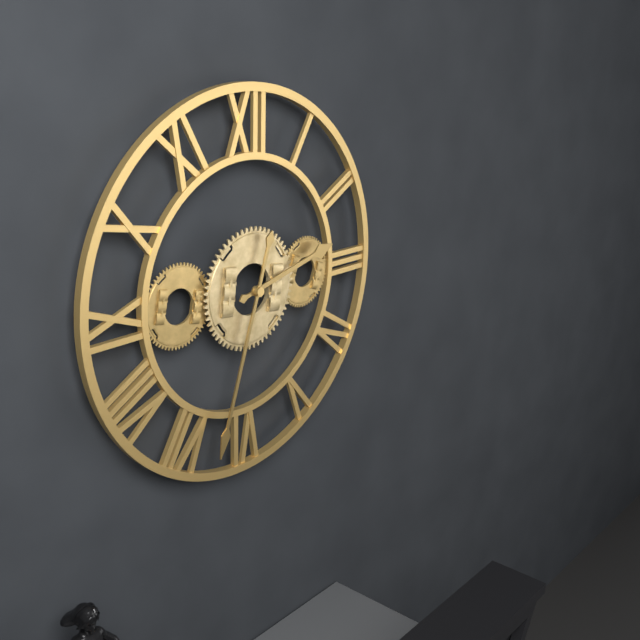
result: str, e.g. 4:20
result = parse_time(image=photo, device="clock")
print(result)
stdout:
2:33
